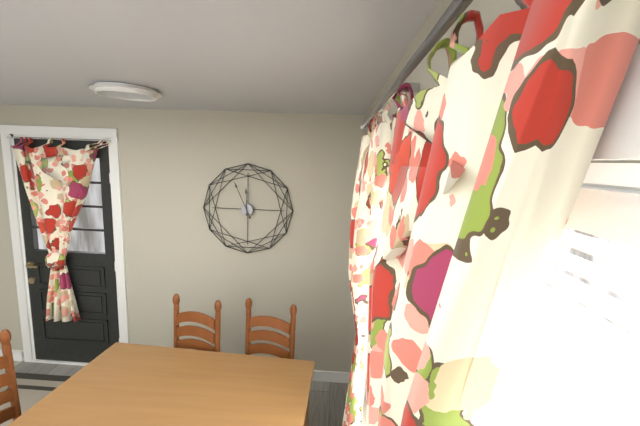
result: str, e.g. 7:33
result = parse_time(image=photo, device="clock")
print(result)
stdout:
11:56
